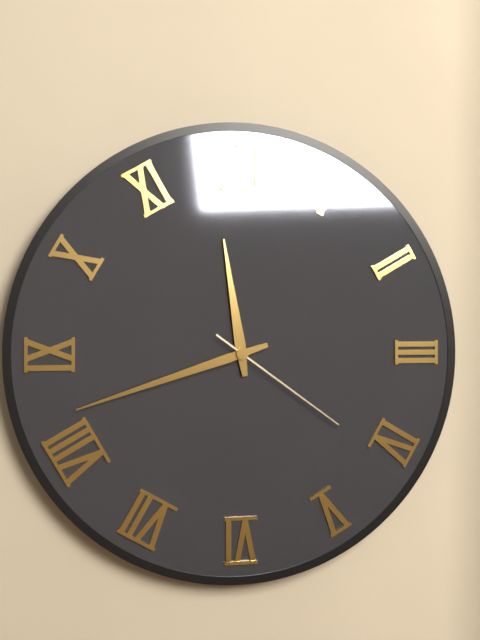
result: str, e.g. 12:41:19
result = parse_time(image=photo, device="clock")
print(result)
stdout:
11:42:21
